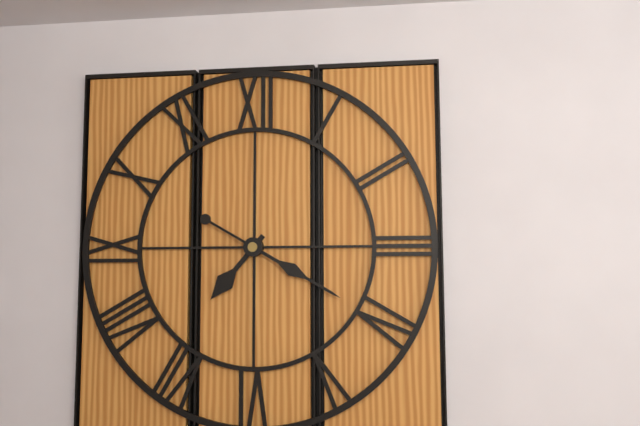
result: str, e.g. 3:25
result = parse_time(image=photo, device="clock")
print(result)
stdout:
7:20
